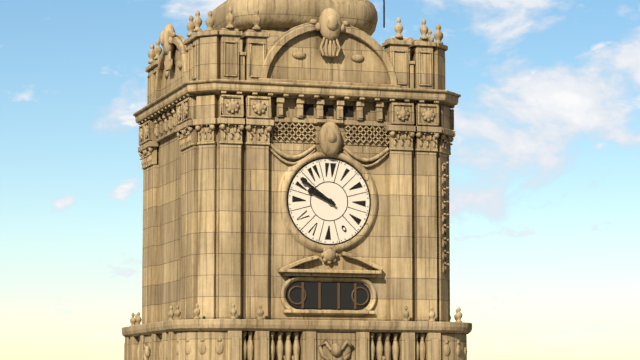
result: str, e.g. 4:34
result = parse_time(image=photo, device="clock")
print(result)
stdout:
9:51
